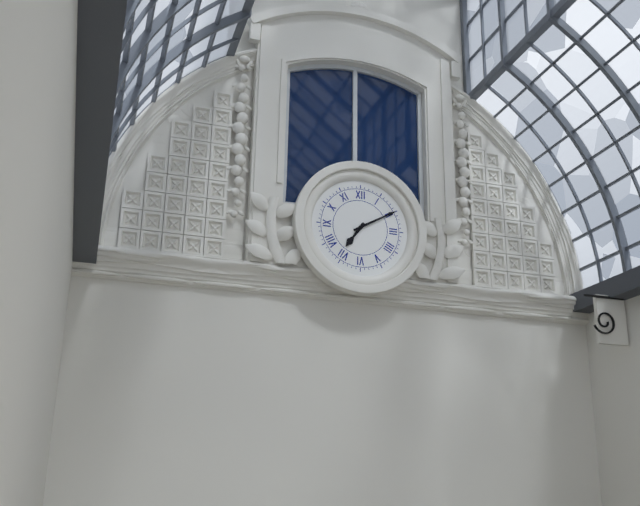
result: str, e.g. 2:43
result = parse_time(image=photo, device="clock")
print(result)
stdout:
7:10
